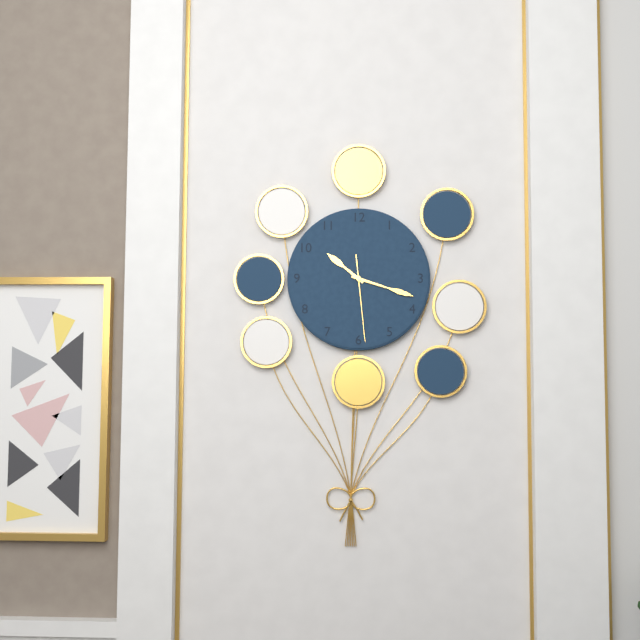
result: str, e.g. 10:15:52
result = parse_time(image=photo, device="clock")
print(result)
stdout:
10:18:29
